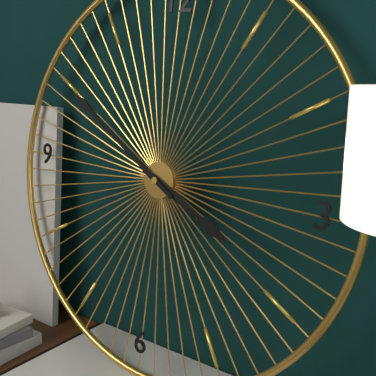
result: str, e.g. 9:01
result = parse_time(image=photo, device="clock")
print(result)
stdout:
3:50
